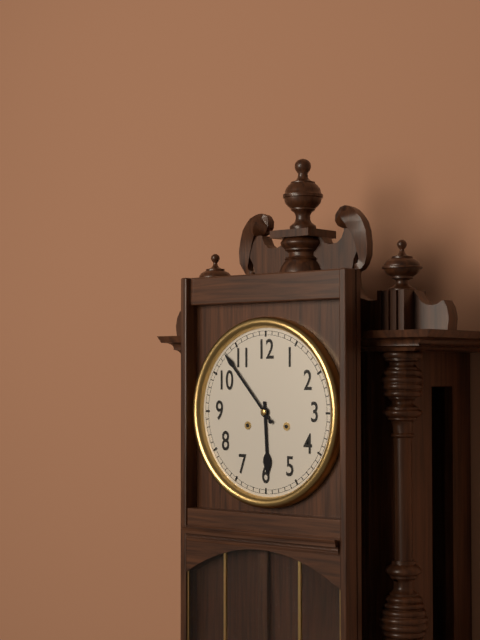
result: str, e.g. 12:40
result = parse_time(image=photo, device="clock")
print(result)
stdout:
5:53
